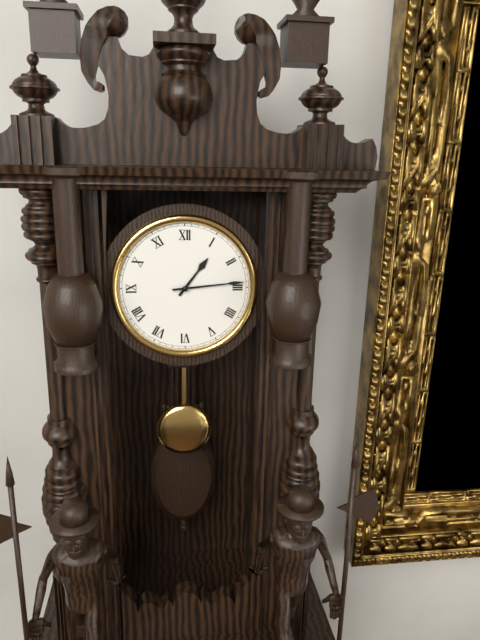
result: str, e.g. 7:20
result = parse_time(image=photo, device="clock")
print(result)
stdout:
1:14
